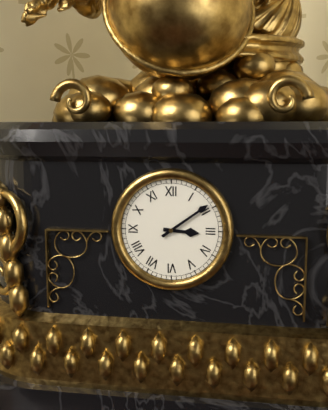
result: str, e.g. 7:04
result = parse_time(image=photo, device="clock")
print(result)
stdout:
3:09
